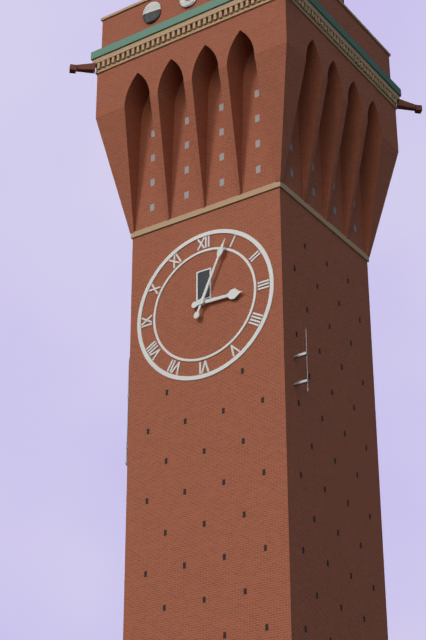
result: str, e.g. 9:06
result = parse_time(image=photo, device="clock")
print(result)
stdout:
3:04
